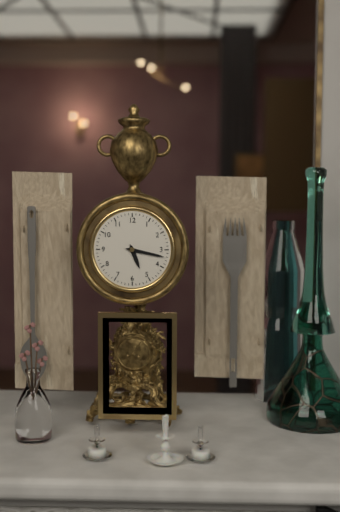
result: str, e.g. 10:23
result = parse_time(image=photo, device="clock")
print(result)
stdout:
5:17
